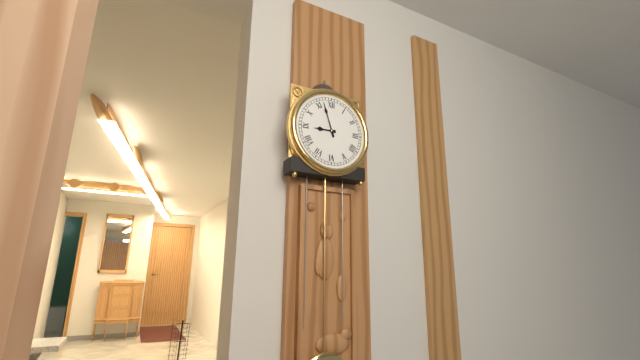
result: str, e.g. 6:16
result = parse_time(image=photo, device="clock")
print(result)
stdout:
8:57
